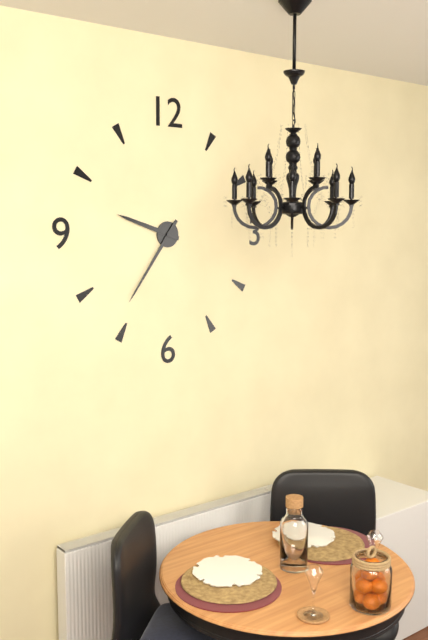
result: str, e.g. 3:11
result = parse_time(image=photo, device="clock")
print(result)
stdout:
9:36
